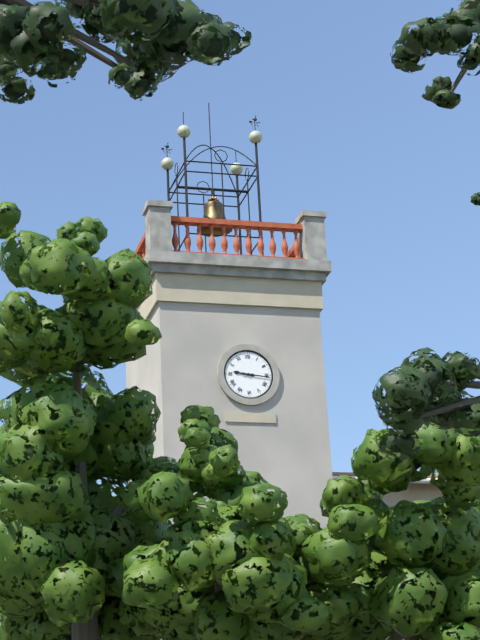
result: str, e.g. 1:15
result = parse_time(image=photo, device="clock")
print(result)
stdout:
9:16
